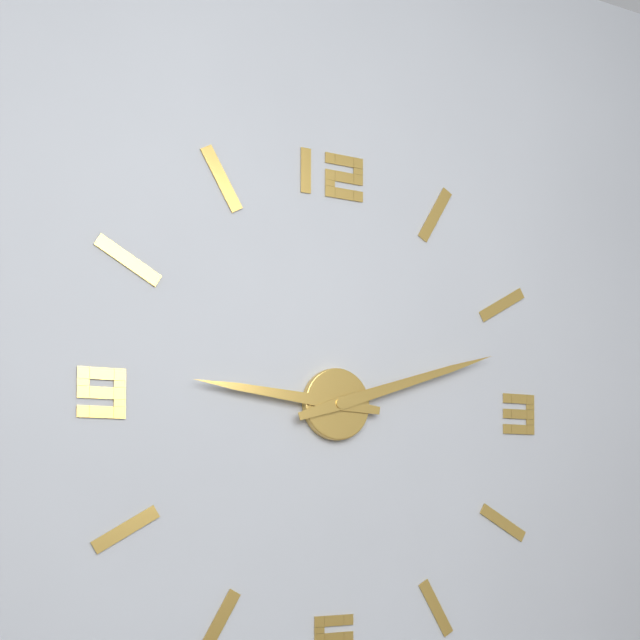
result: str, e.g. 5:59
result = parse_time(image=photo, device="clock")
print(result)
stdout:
9:12
